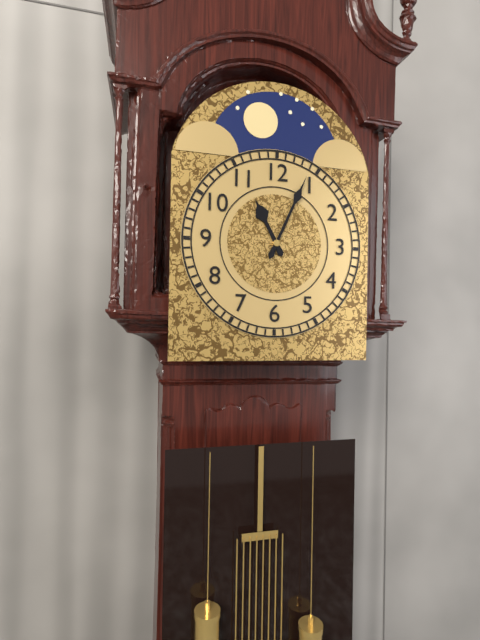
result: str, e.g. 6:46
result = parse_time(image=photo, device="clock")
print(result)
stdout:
11:04
